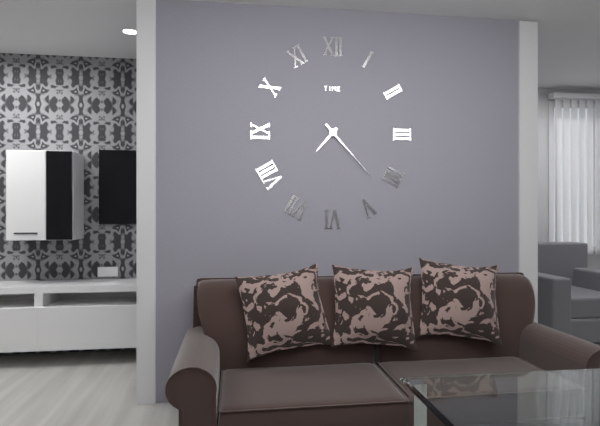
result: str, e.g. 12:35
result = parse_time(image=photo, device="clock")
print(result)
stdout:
7:23
